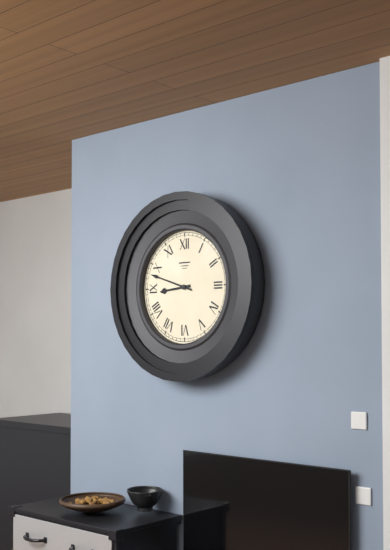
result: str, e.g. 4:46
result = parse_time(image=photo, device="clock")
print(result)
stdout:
8:48
